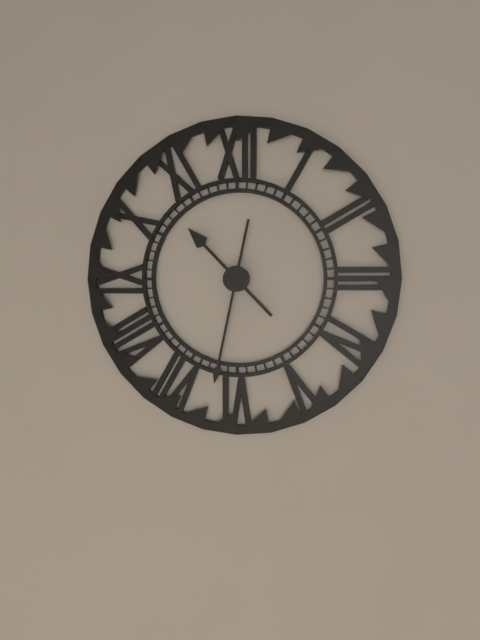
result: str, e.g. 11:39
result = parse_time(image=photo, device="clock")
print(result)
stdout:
10:32
